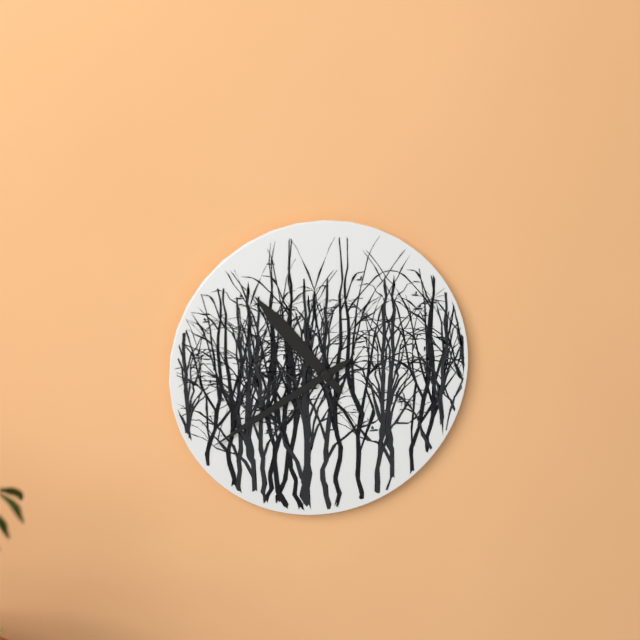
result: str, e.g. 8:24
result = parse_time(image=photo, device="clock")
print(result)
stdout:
10:40
